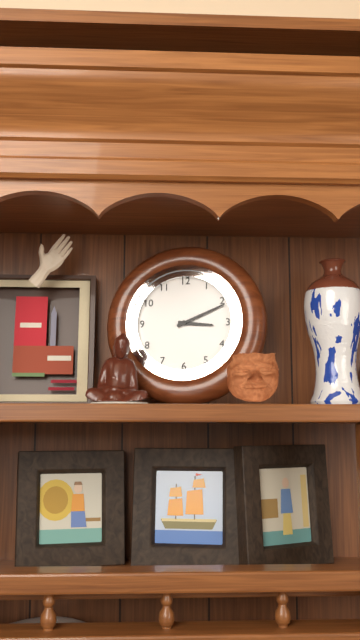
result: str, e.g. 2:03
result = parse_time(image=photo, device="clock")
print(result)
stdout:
3:11
